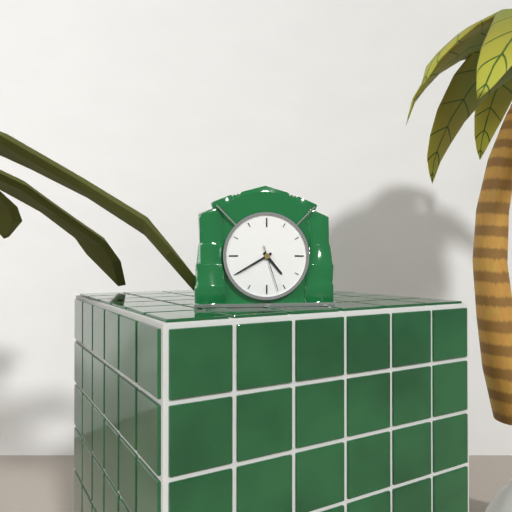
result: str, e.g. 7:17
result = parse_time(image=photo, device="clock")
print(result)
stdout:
4:40
